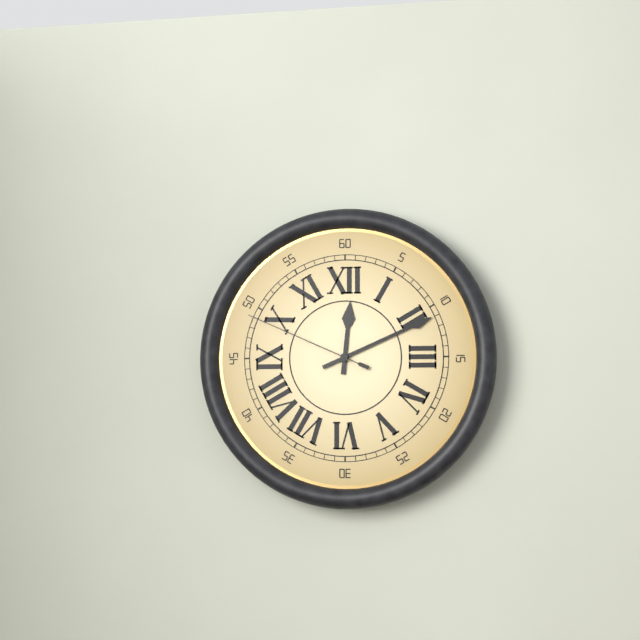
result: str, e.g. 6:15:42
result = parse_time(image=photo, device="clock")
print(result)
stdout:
12:11:49
